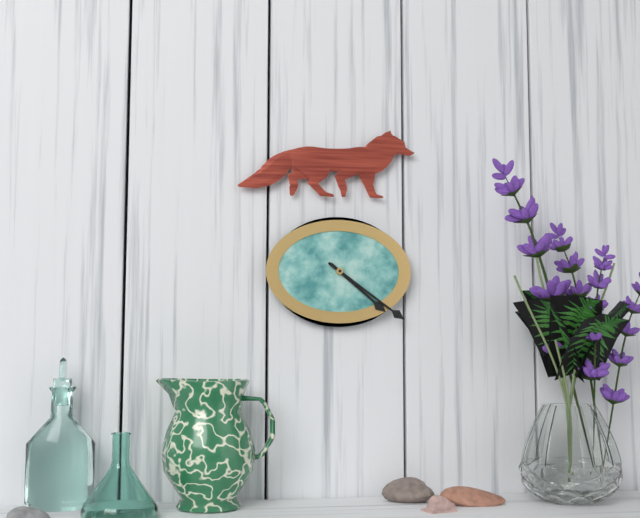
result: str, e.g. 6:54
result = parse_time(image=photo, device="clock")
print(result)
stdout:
4:21
